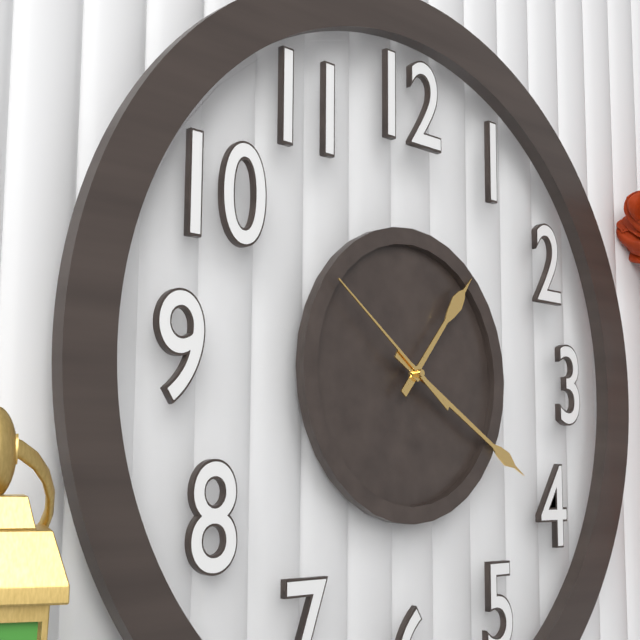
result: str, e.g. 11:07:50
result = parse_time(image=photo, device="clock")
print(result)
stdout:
1:20:51
